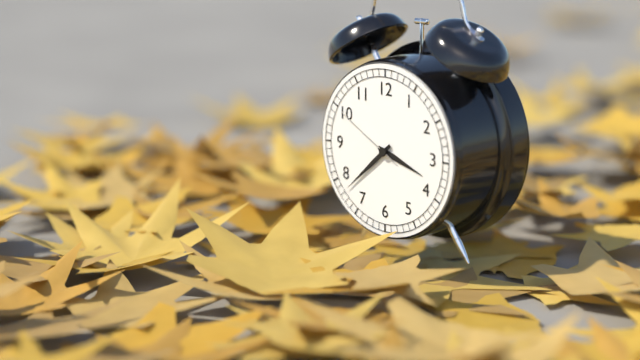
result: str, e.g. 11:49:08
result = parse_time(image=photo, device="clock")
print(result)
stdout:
3:38:50
